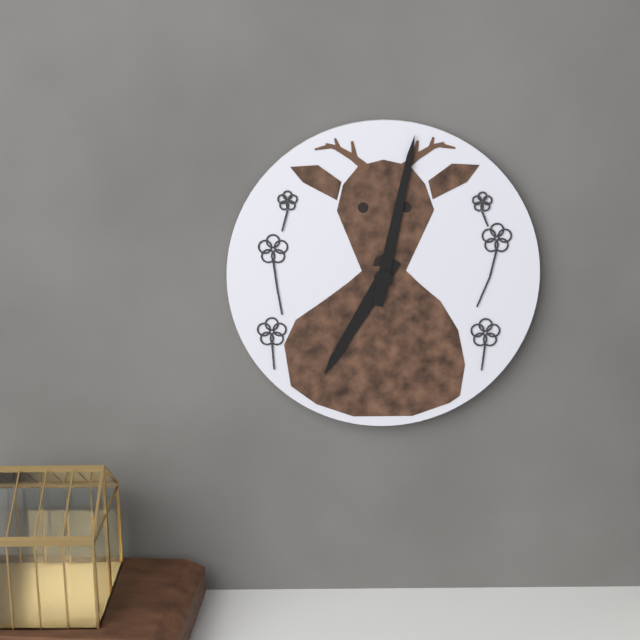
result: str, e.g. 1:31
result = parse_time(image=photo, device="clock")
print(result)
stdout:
7:02
